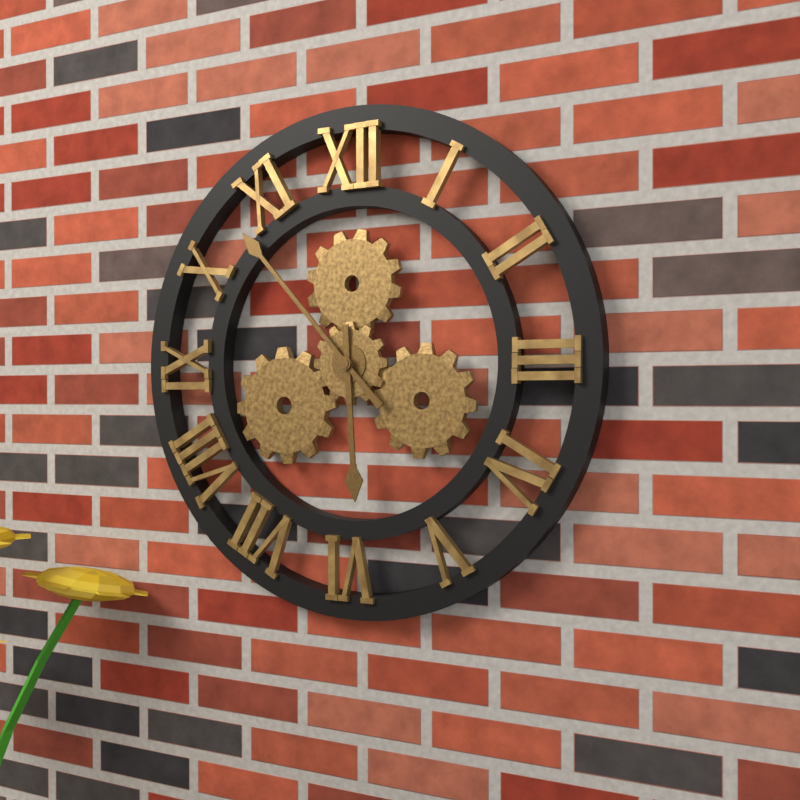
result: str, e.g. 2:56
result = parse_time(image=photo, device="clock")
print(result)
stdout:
5:53
